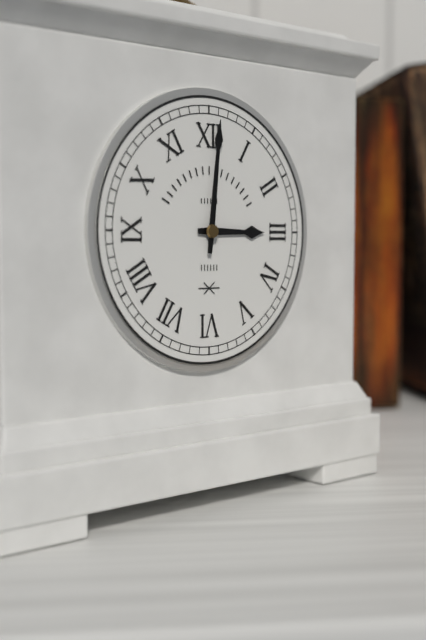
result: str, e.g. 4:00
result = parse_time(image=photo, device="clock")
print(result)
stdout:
3:01
